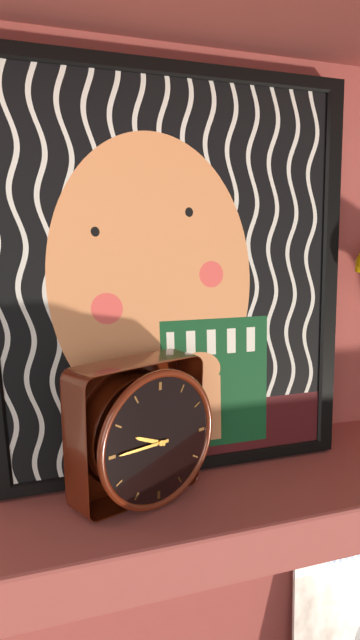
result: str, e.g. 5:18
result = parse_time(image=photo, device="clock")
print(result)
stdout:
9:45
